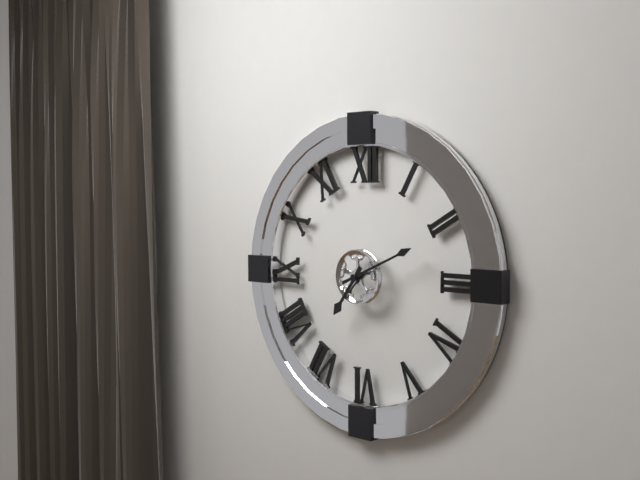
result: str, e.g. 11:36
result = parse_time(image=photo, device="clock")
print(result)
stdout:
7:11
